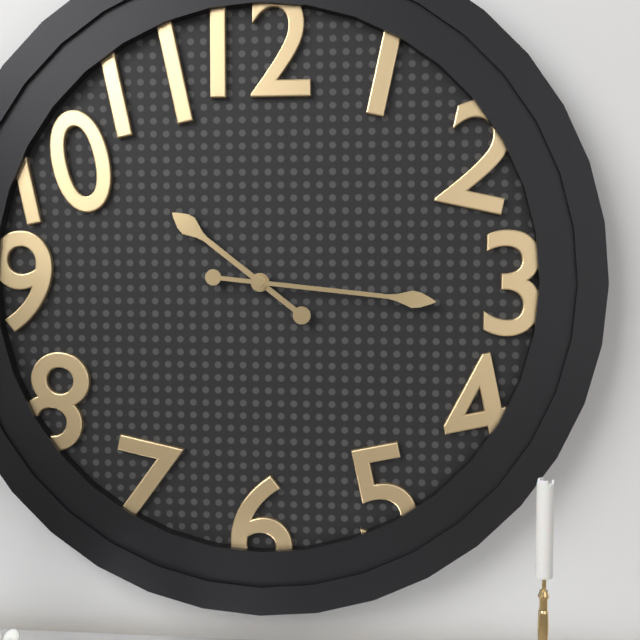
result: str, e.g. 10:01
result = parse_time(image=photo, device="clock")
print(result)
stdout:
10:16
